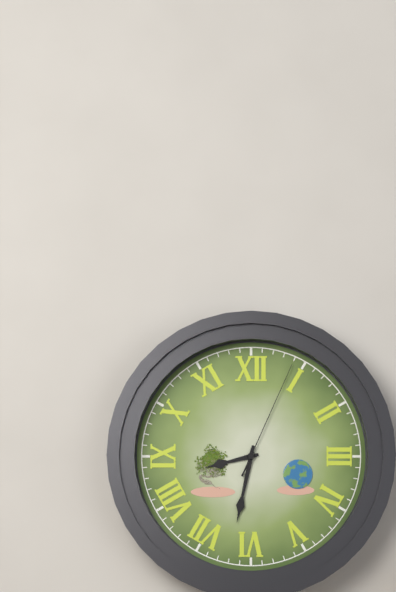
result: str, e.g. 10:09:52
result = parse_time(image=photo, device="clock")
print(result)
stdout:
8:32:04
